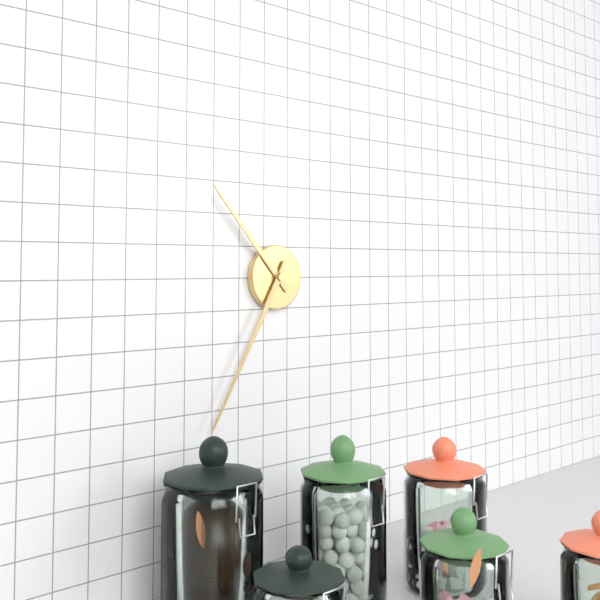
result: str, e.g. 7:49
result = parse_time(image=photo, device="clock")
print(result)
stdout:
10:35
